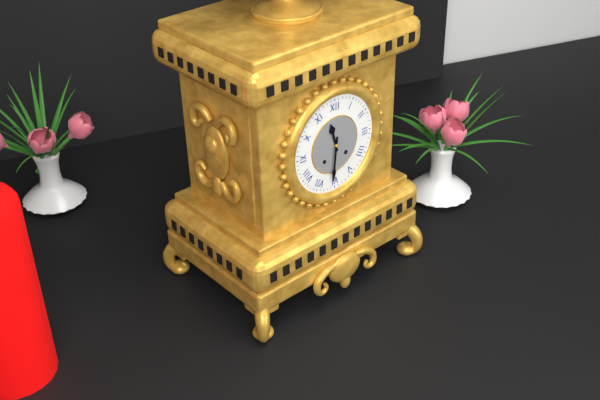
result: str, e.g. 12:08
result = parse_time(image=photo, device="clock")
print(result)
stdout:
11:31
